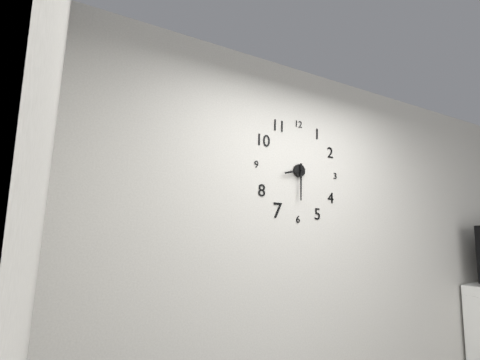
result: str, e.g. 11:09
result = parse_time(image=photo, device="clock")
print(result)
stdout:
8:30
